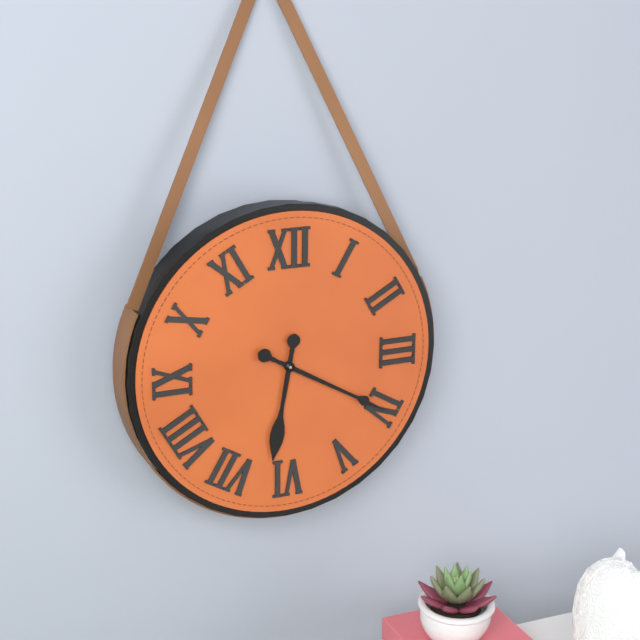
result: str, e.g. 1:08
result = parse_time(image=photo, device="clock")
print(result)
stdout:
6:20
